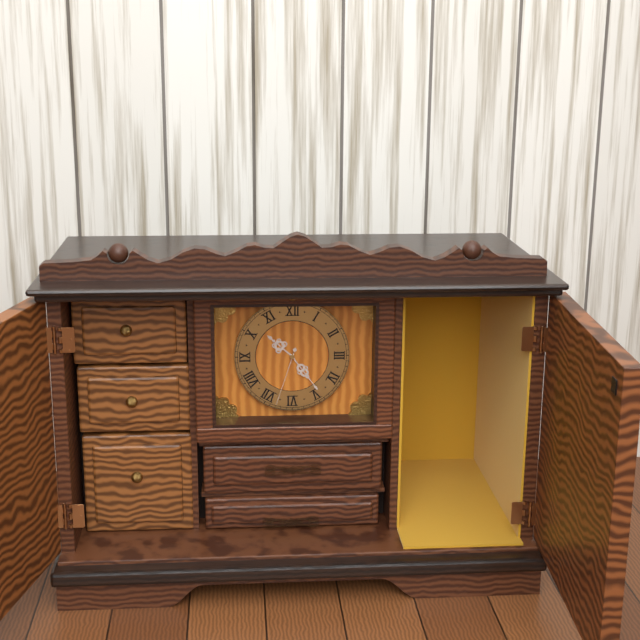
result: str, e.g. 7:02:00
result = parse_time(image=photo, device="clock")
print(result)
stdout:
10:24:33
